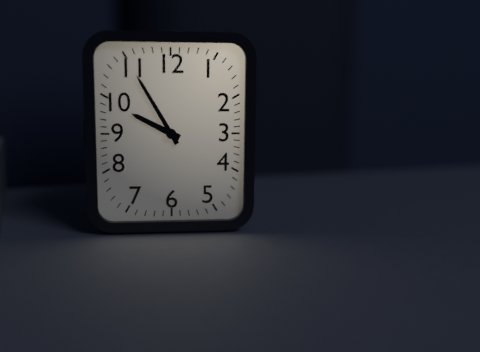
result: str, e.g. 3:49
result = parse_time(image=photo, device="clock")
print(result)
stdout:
9:55
